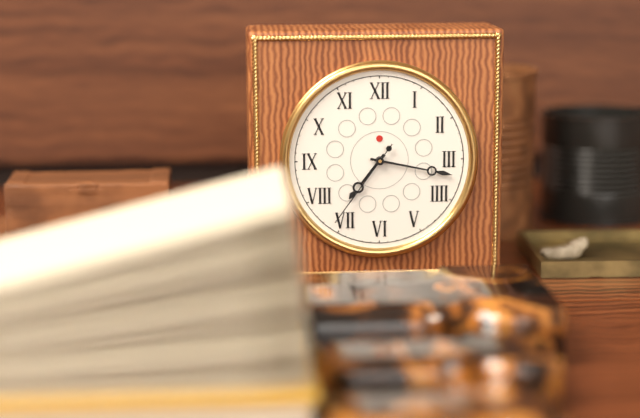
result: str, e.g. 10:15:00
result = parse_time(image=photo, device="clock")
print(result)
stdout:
7:17:36
